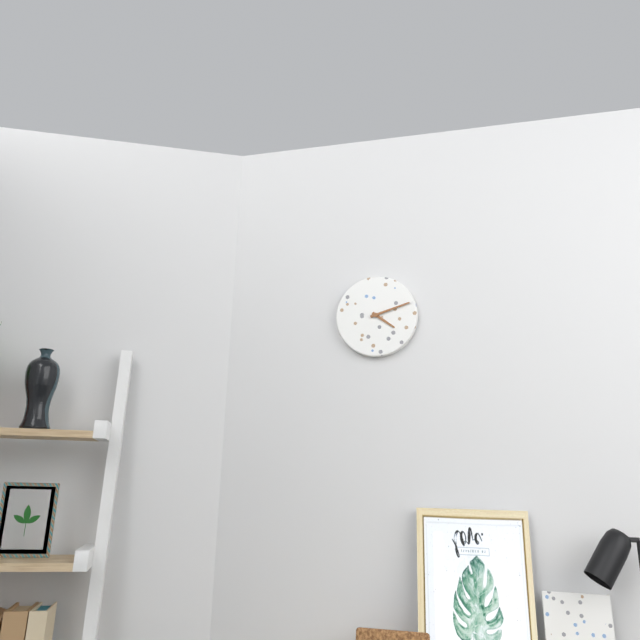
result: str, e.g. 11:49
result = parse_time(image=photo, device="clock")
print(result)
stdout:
4:12
